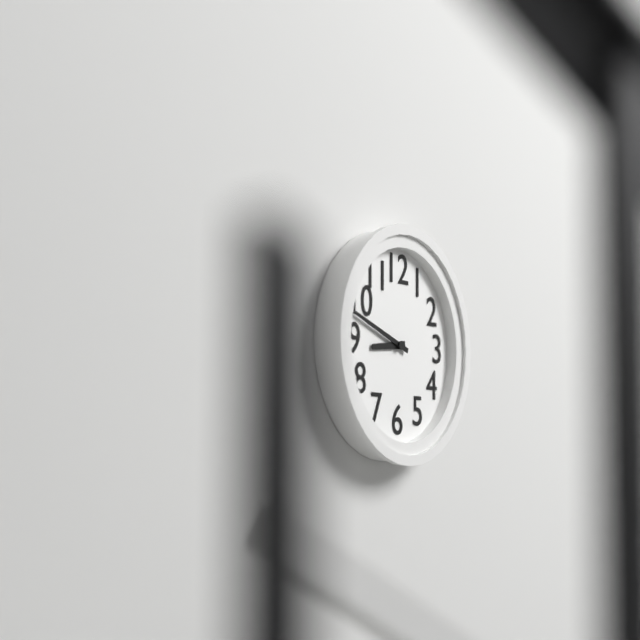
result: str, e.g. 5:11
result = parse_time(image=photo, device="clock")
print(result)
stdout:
8:48
